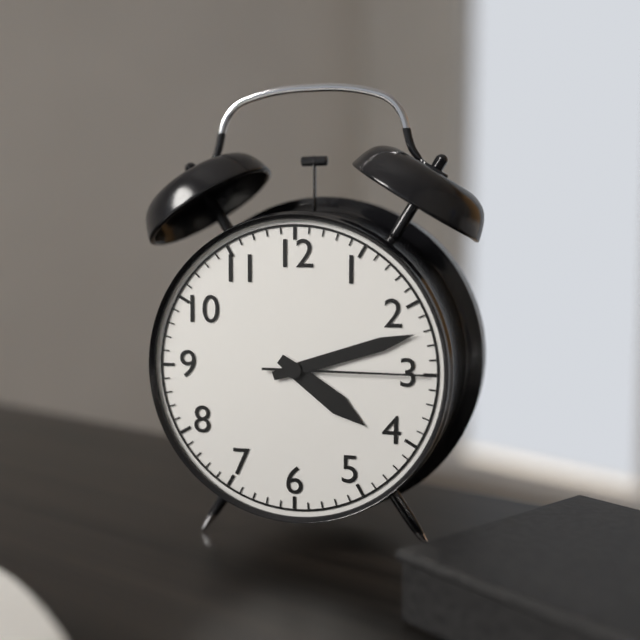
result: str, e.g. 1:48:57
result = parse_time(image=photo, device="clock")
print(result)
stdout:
4:12:15
